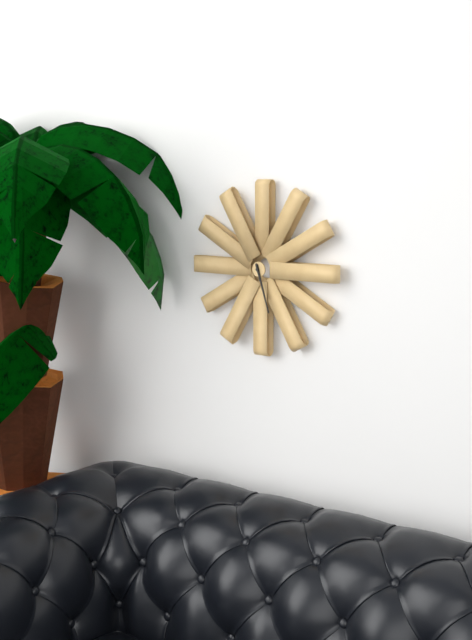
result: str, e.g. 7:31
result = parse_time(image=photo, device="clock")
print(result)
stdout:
5:27
